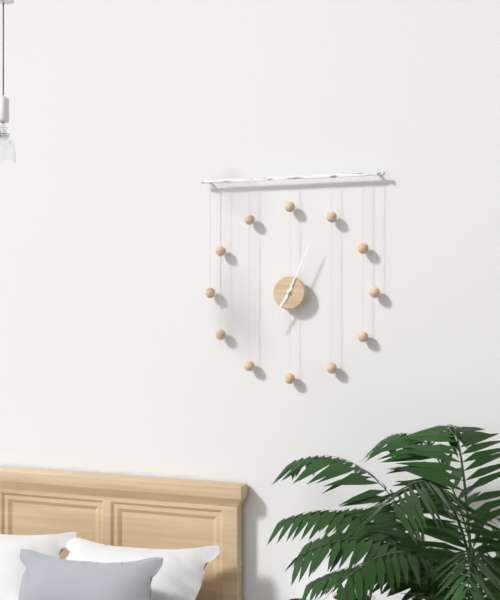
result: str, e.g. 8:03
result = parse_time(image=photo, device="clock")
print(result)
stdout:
7:04
